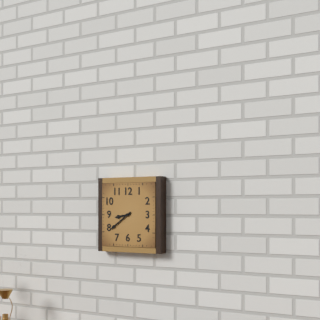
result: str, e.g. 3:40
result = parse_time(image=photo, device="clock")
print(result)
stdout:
8:39
